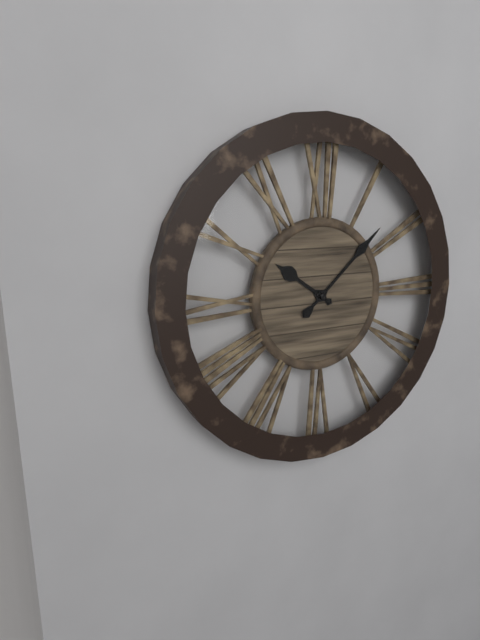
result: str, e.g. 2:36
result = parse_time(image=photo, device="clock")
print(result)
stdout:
10:08
